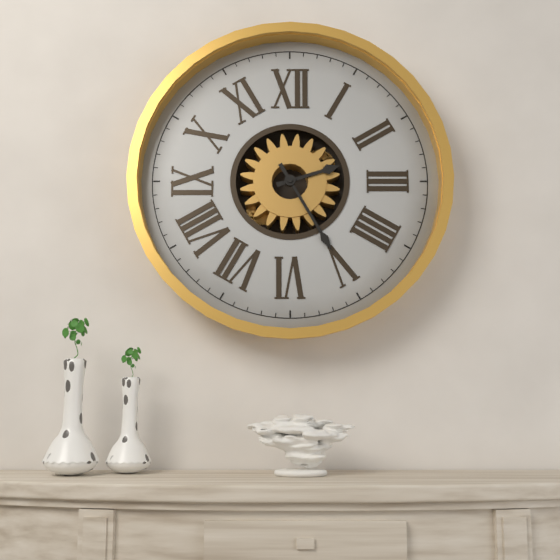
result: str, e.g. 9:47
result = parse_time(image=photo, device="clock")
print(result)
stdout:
2:25
